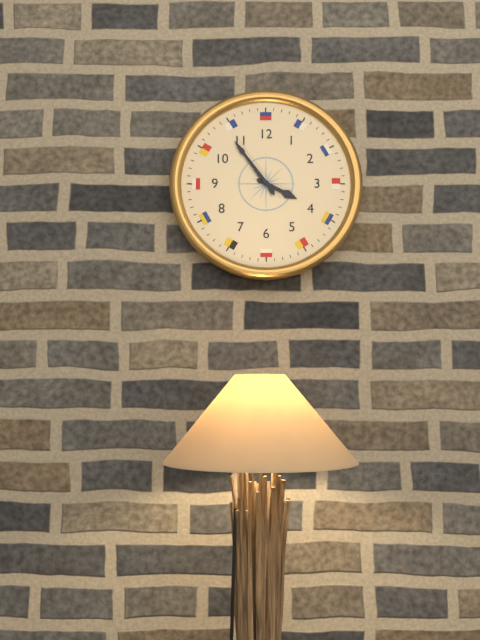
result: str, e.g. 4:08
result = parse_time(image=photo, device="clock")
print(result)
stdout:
3:54
